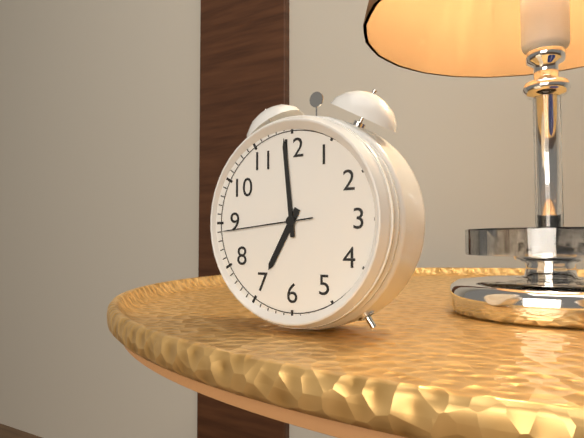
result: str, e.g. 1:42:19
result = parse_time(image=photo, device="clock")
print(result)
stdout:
6:59:44
